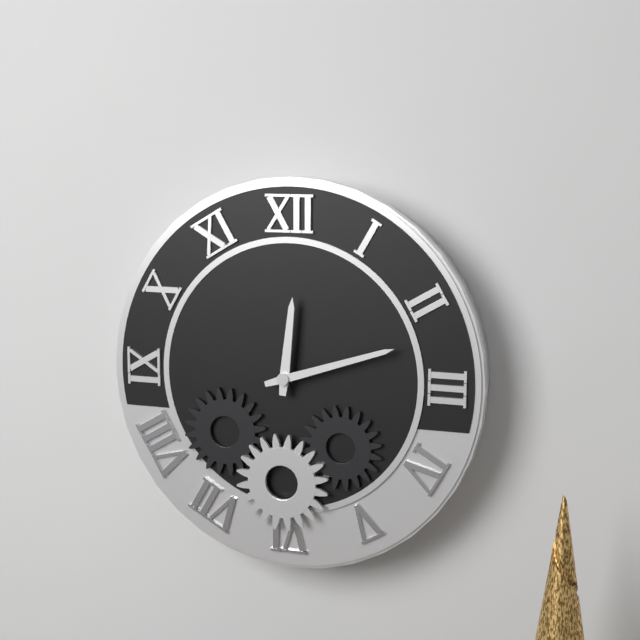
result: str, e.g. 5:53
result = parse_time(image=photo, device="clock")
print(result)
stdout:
12:12
